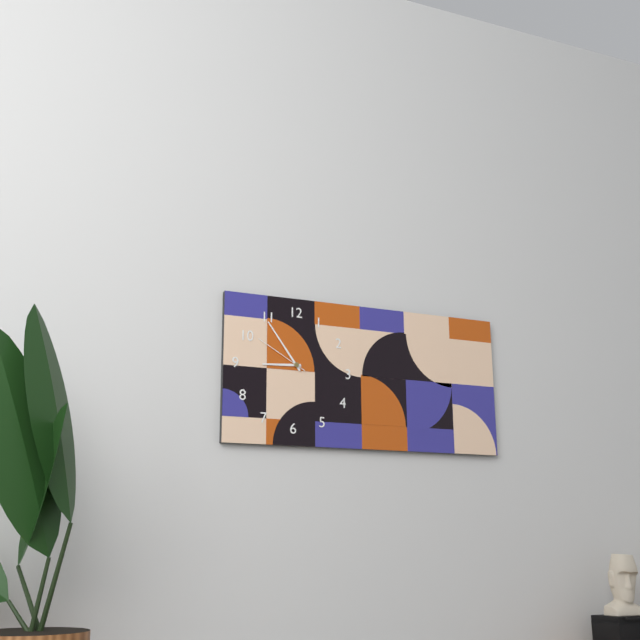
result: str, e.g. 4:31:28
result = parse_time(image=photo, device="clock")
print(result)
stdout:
8:54:50
